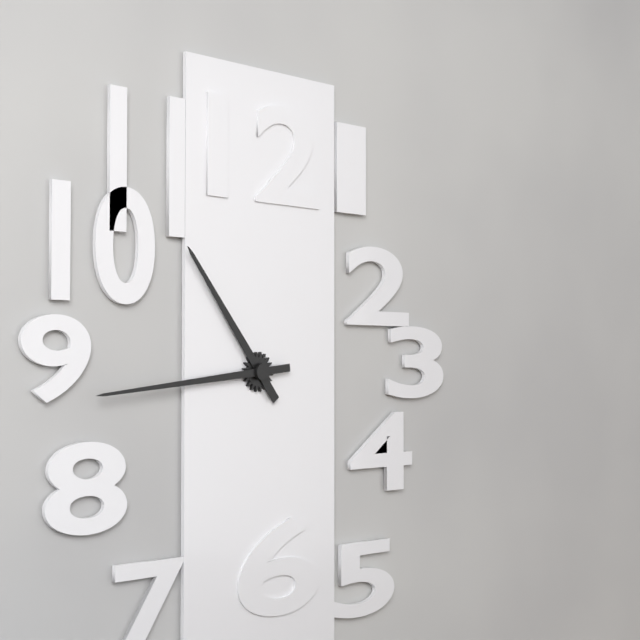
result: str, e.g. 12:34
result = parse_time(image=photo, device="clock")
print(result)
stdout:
10:44
